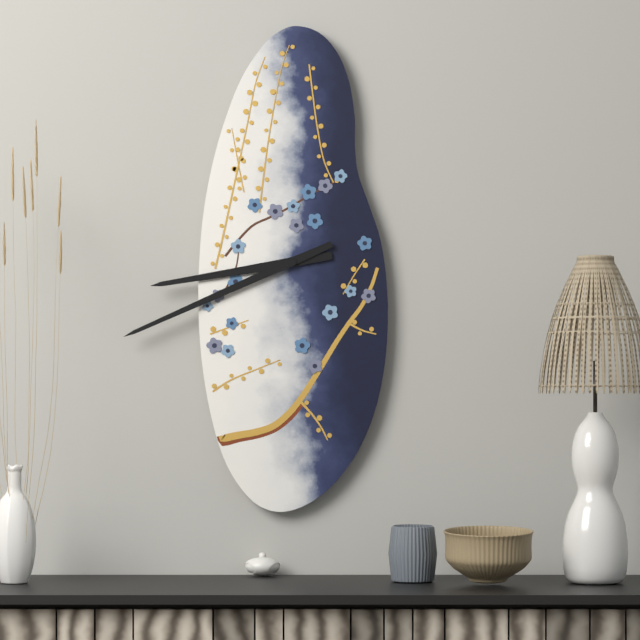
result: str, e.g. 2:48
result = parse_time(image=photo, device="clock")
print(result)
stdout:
8:41
